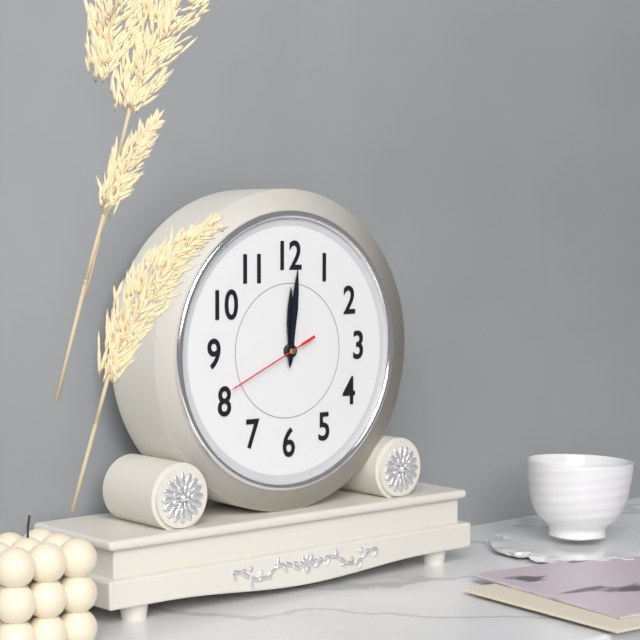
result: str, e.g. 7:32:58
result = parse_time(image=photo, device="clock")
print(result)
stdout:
12:01:41
